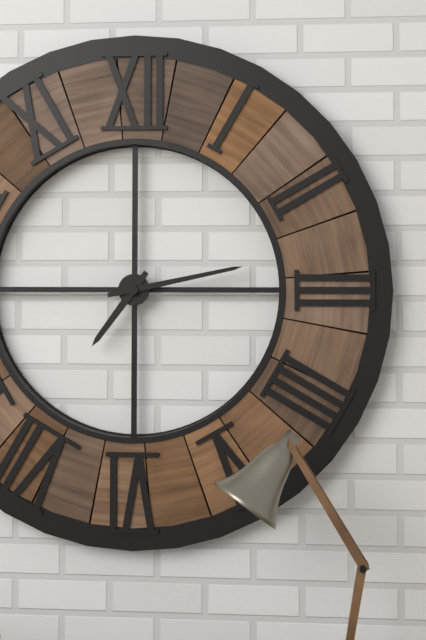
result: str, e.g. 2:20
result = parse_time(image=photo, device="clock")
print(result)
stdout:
7:13
